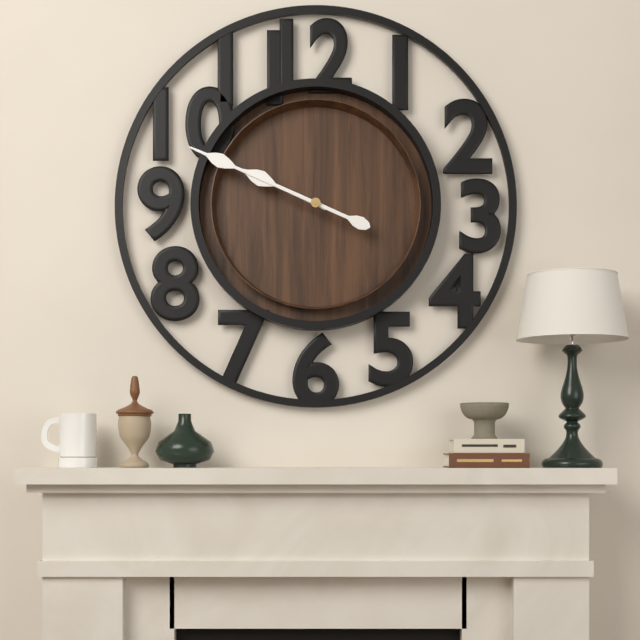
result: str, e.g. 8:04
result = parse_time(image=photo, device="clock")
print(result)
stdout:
9:49
